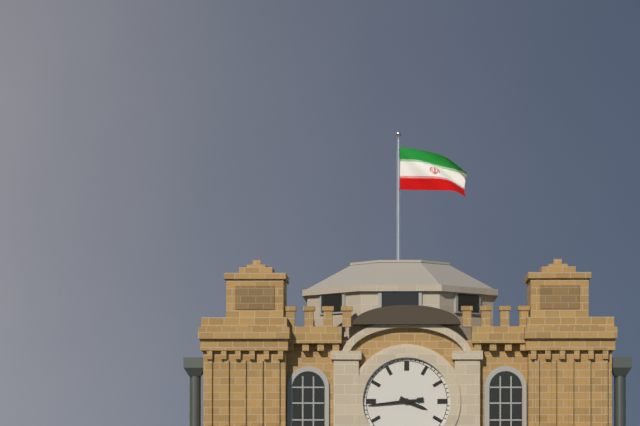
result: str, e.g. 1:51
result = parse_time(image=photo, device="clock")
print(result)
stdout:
3:44
